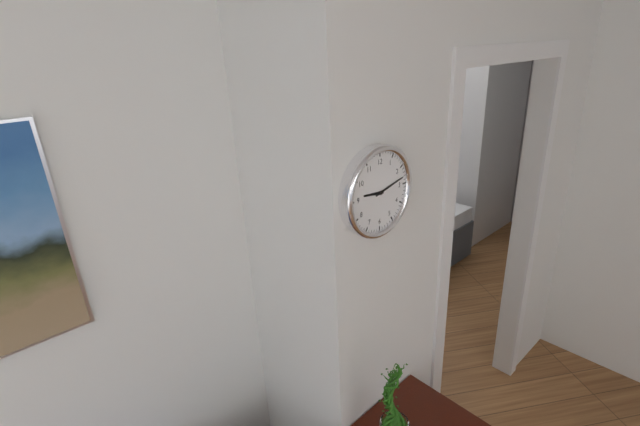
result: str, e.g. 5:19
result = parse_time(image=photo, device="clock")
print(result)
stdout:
9:13
